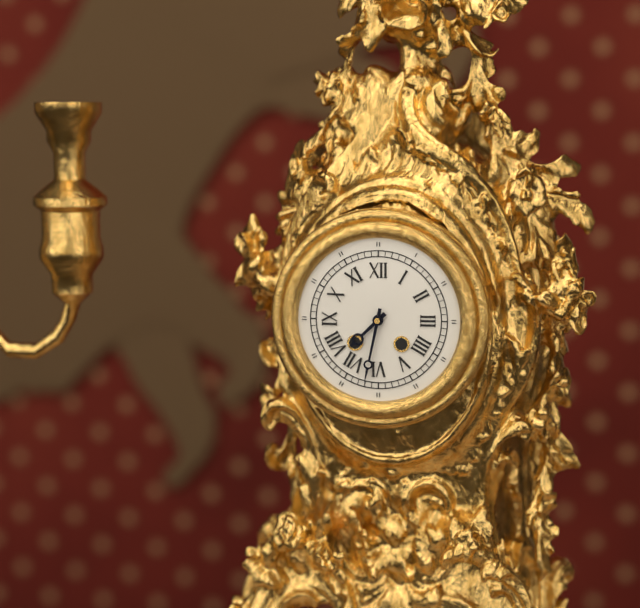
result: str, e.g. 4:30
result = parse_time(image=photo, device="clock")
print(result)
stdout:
7:32
